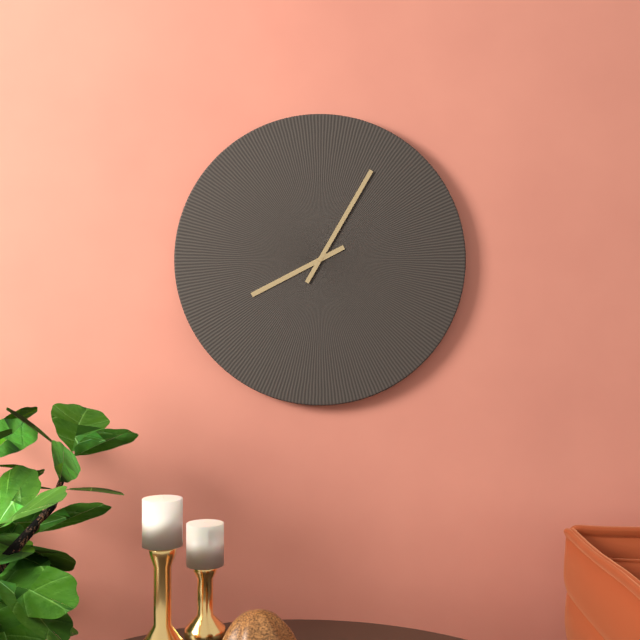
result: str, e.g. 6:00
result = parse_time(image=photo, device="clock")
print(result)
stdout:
8:05
